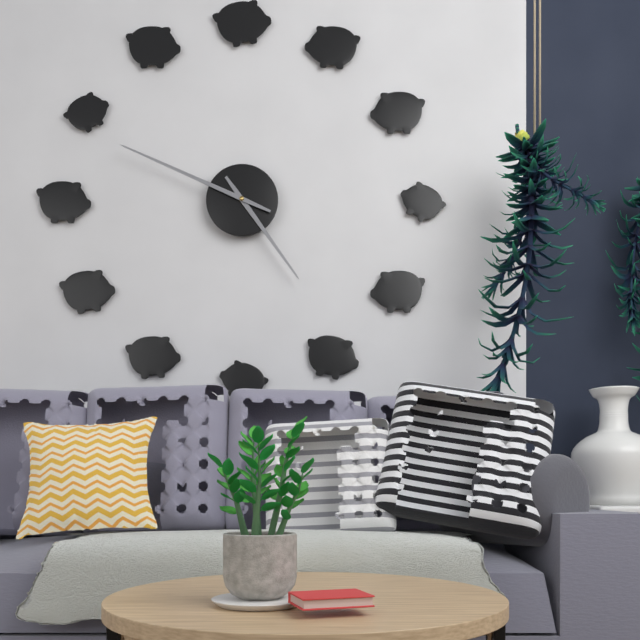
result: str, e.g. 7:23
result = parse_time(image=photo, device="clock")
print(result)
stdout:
4:49
